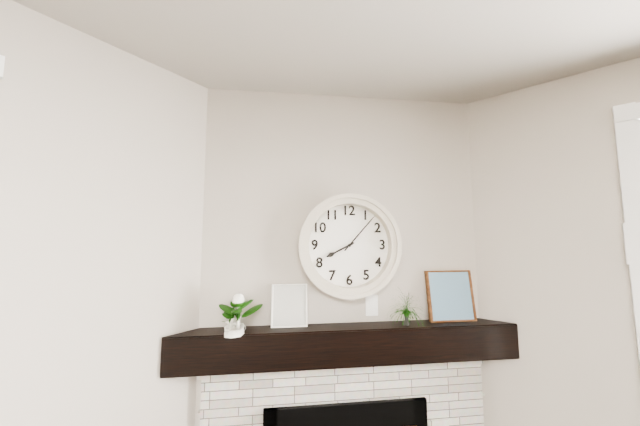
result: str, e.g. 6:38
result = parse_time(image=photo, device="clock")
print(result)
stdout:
8:07
